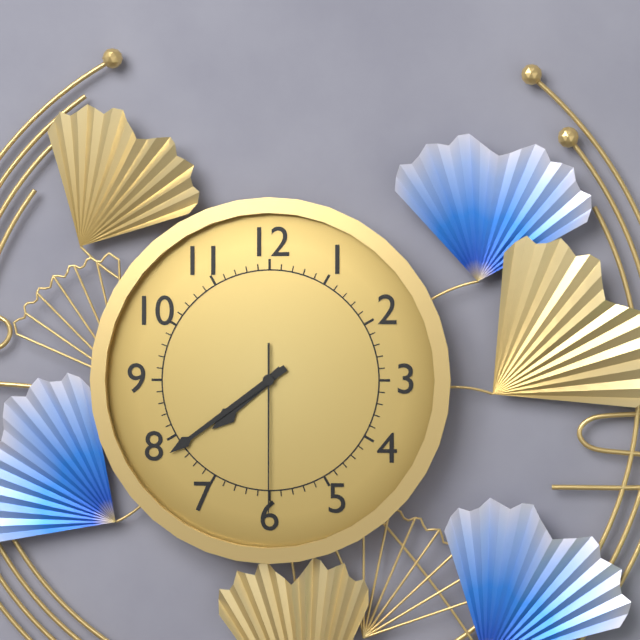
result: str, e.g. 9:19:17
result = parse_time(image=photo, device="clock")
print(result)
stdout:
7:39:30
